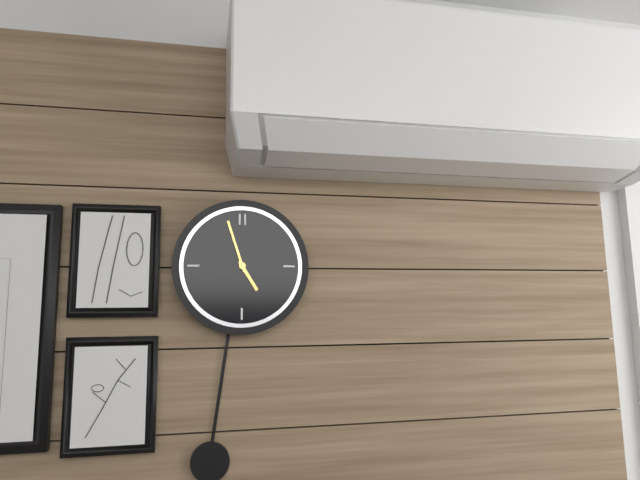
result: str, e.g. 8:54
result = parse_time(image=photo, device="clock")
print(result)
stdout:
4:57
